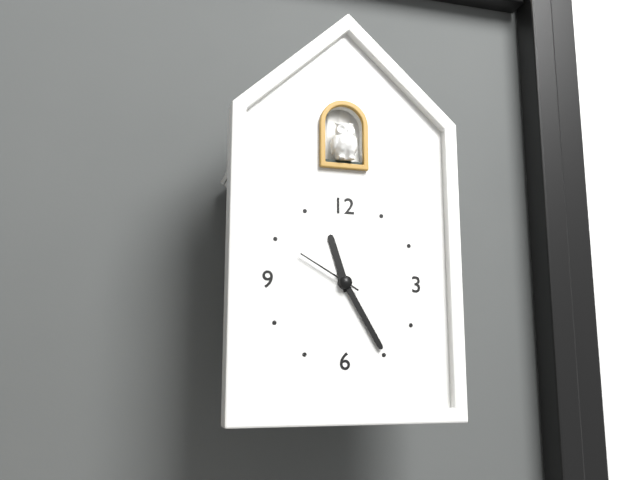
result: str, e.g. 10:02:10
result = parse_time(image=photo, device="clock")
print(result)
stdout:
11:25:50
